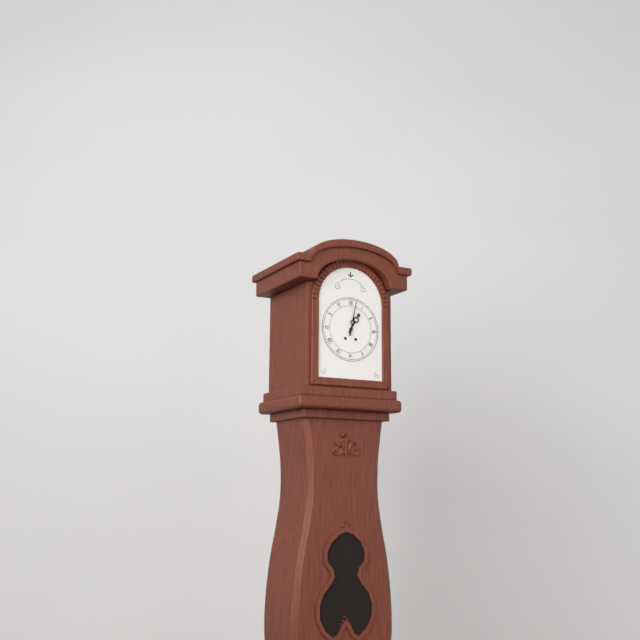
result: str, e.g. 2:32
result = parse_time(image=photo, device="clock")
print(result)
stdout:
1:02
